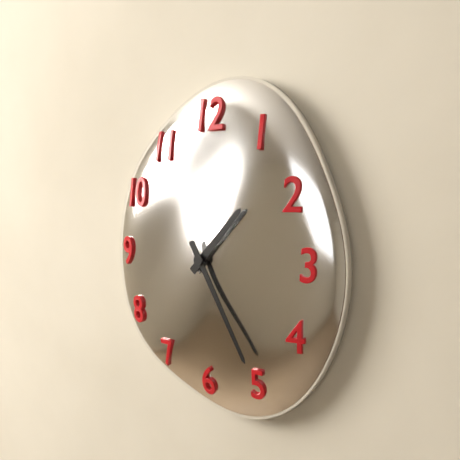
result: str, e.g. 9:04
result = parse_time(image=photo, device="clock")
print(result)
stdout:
1:25
